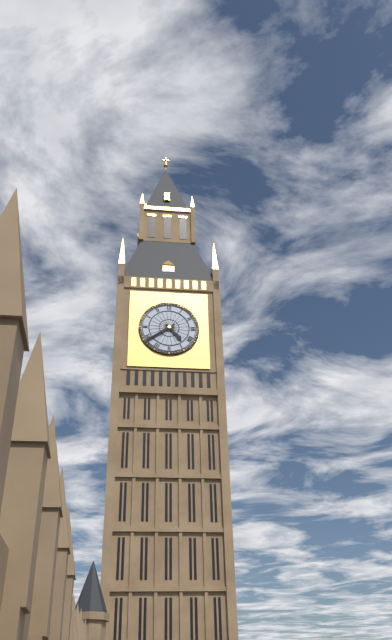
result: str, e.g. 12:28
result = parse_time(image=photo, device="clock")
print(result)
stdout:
4:39
